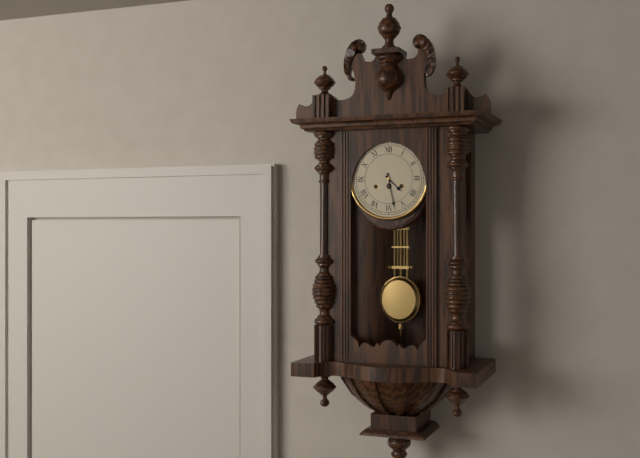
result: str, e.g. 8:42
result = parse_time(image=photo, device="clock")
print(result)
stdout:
4:28
